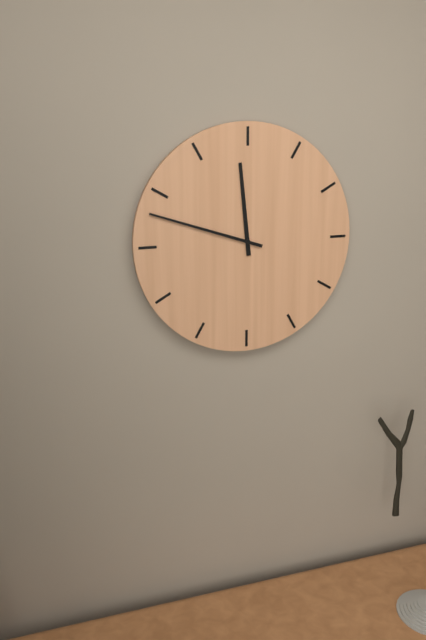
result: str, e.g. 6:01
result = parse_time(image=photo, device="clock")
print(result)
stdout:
11:48
